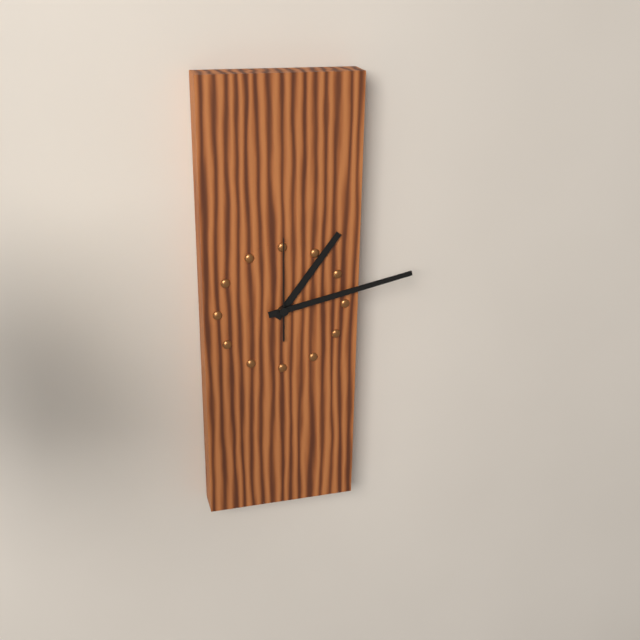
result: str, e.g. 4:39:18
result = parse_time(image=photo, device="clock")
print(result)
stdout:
1:13:00
